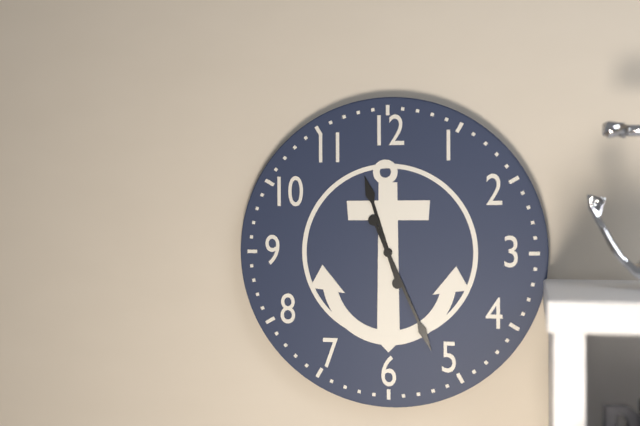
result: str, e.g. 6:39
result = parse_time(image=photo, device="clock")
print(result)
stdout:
11:26
